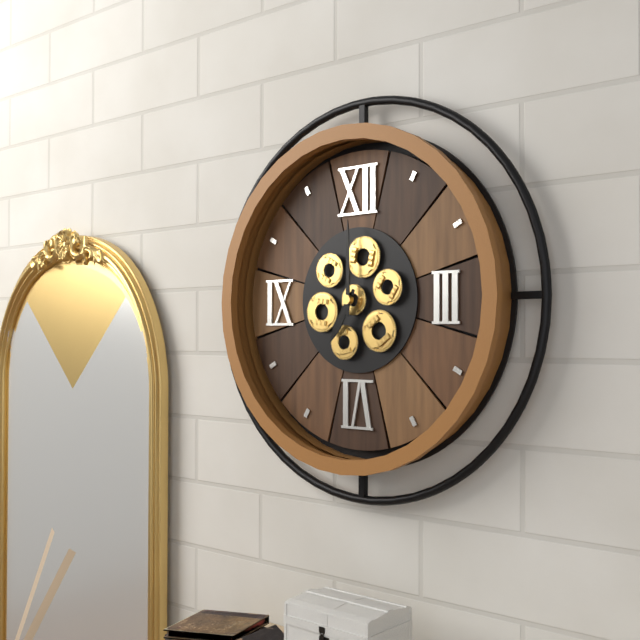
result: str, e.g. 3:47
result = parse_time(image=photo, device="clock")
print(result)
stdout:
7:00
